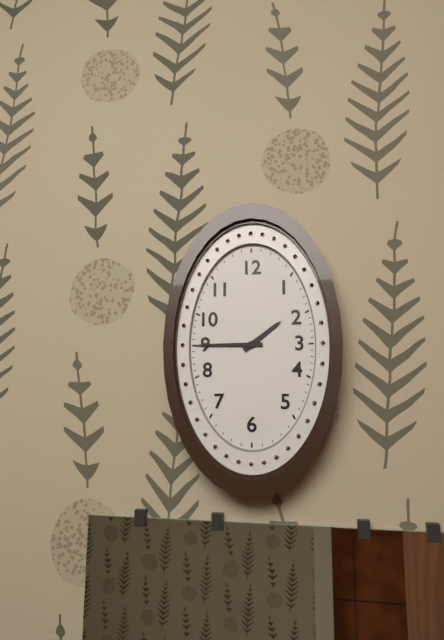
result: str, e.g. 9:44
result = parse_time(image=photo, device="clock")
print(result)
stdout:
1:45
